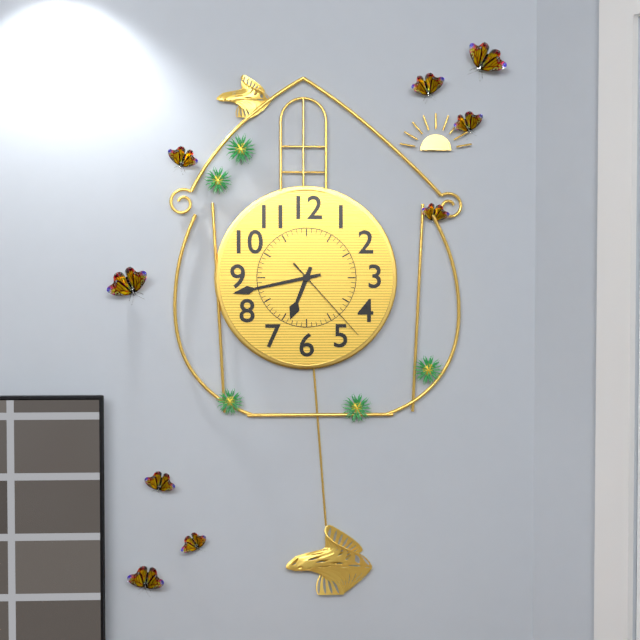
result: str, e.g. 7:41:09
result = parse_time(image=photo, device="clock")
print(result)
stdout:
6:43:23
